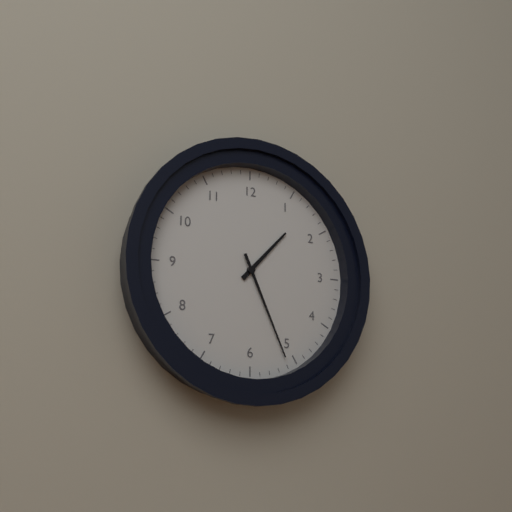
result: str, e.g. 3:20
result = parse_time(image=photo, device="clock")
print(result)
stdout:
1:26
